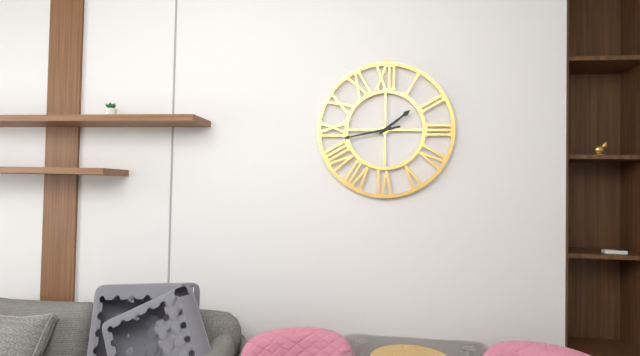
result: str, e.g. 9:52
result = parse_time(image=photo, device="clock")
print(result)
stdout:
1:43
